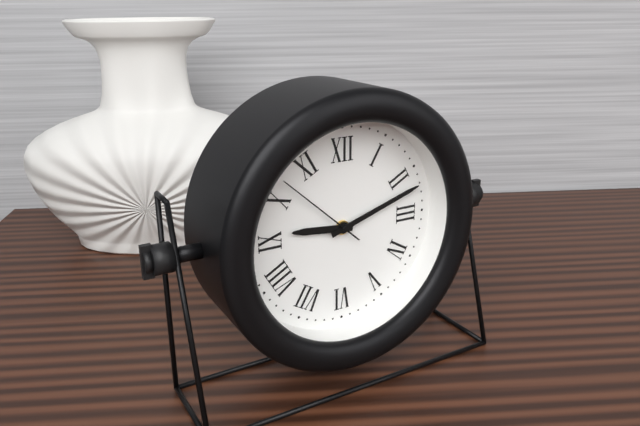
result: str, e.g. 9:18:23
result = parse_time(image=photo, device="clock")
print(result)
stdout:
9:12:52
